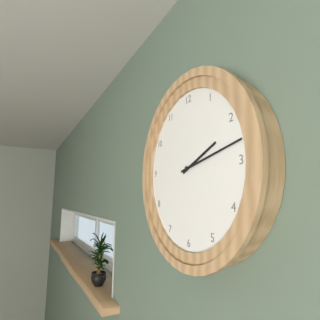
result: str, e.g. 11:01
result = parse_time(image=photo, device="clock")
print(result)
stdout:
2:13
